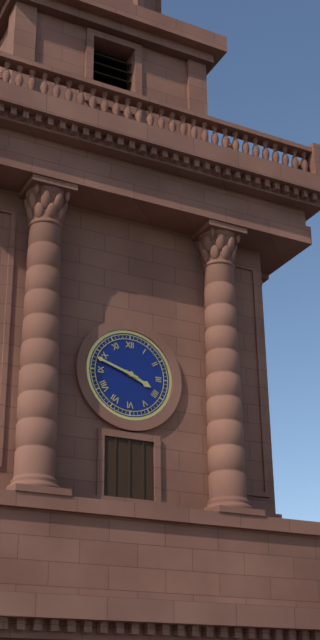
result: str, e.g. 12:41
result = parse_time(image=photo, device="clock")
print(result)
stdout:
3:48
